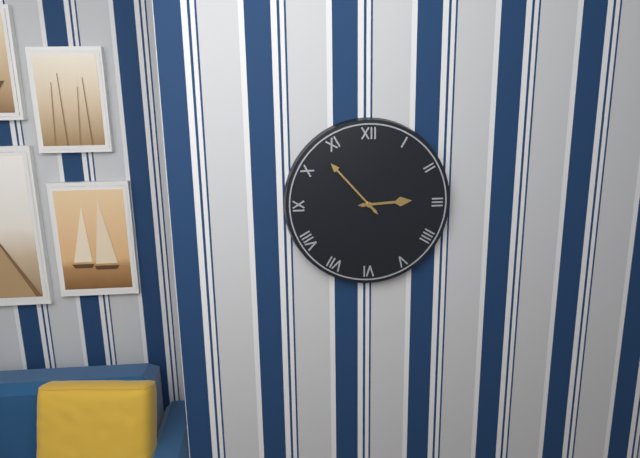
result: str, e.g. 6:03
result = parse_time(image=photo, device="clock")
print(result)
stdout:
2:53
